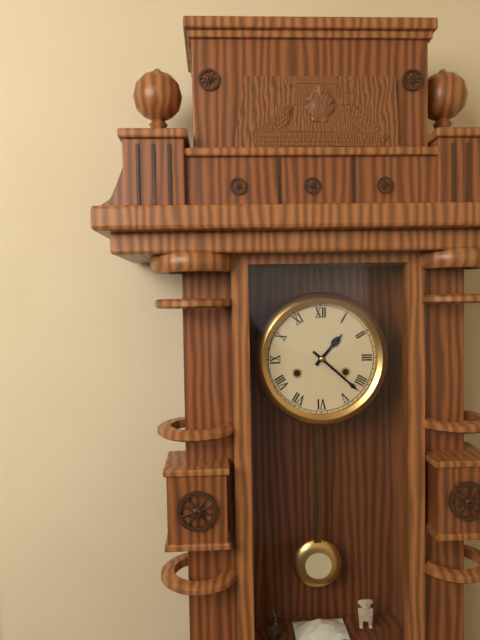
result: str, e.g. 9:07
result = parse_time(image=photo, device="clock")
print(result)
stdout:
1:22
